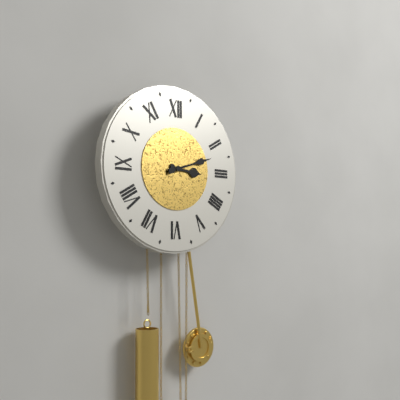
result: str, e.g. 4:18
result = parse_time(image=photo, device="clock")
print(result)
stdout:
3:12
